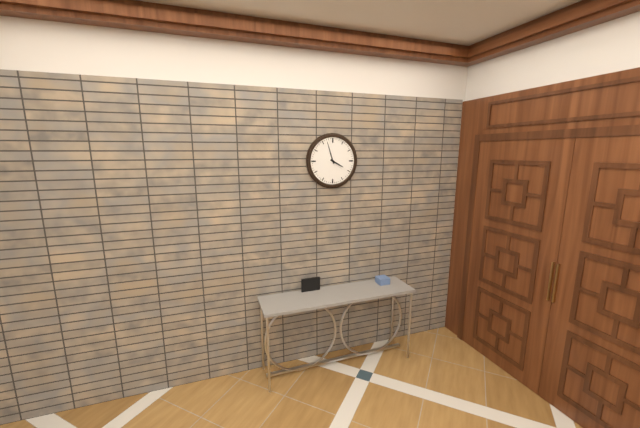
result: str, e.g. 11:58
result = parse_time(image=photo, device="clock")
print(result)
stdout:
3:57
